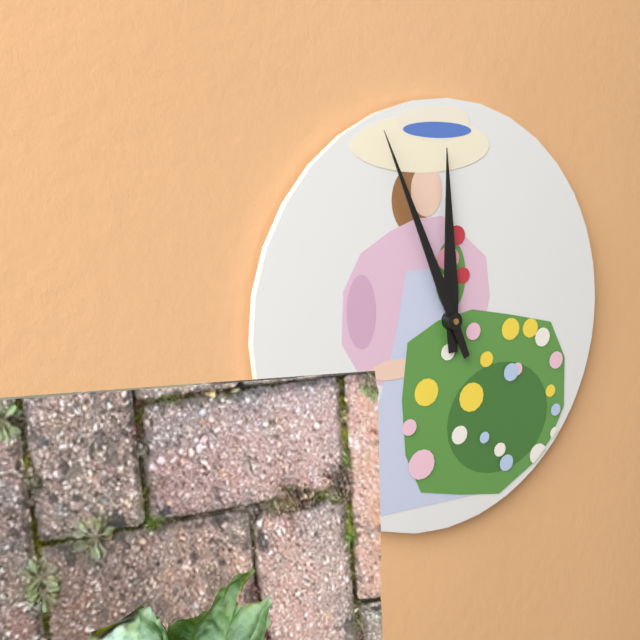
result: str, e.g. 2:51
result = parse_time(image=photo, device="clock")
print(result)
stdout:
11:56
